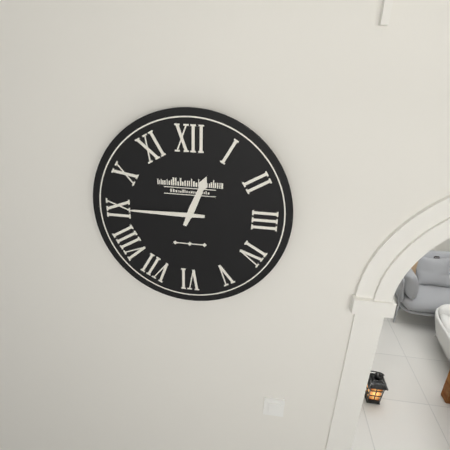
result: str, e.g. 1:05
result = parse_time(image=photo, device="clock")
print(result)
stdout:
12:45
